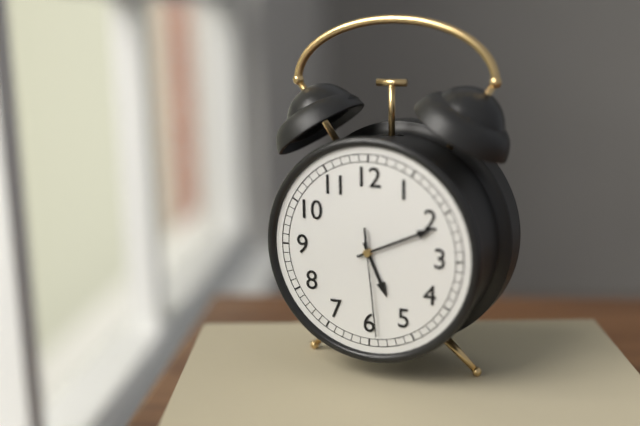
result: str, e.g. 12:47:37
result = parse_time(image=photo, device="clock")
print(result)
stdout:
5:11:29
